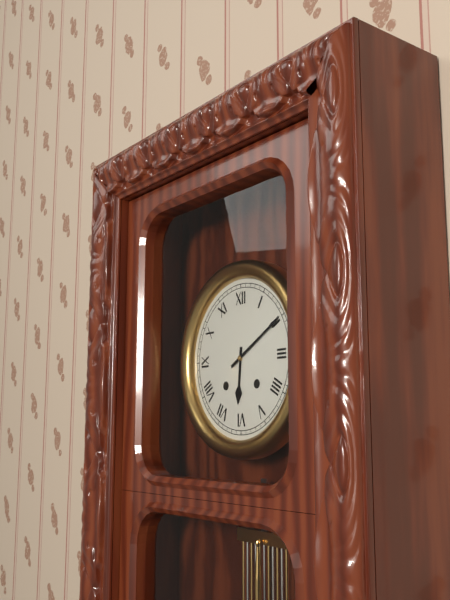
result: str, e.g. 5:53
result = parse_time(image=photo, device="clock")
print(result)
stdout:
6:10
